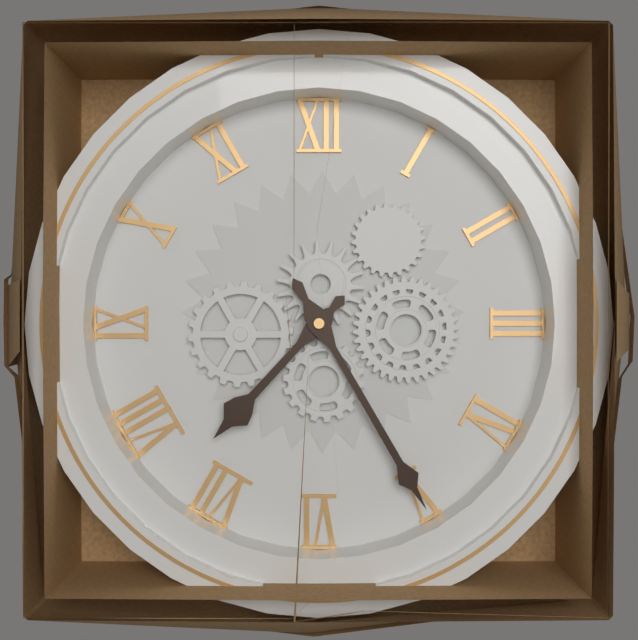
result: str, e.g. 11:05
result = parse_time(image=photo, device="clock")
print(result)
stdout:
7:25
